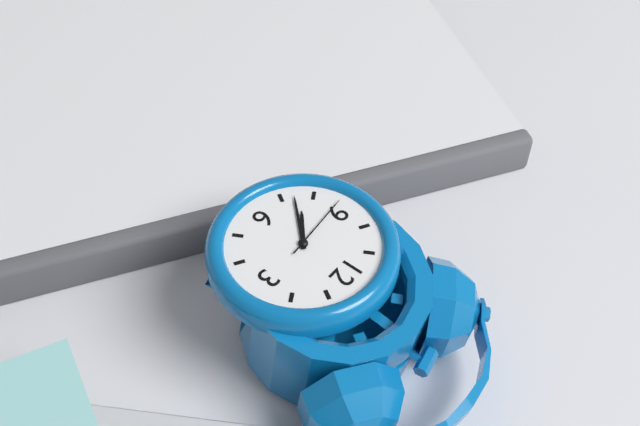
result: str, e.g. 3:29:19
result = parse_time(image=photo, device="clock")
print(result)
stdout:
7:37:44
